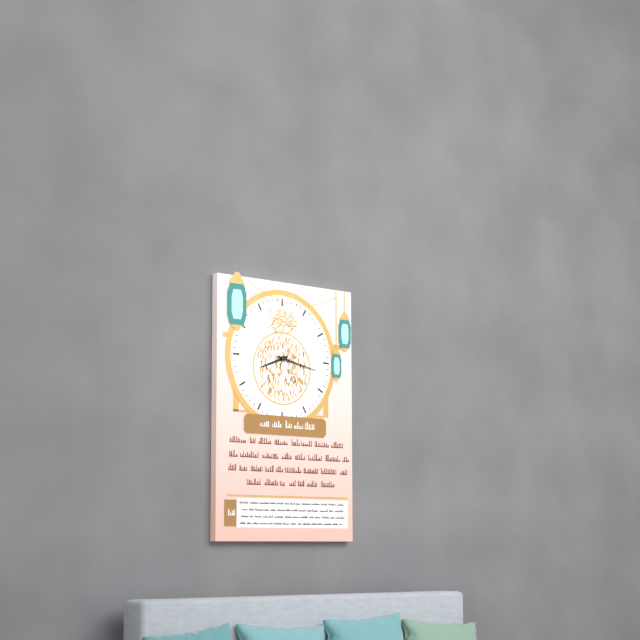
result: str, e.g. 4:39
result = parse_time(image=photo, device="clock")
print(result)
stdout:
8:17
